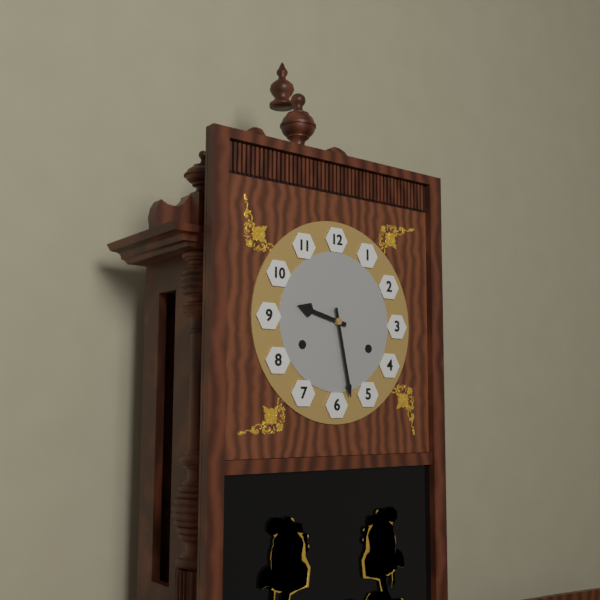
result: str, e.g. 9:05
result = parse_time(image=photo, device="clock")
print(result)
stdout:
9:28
